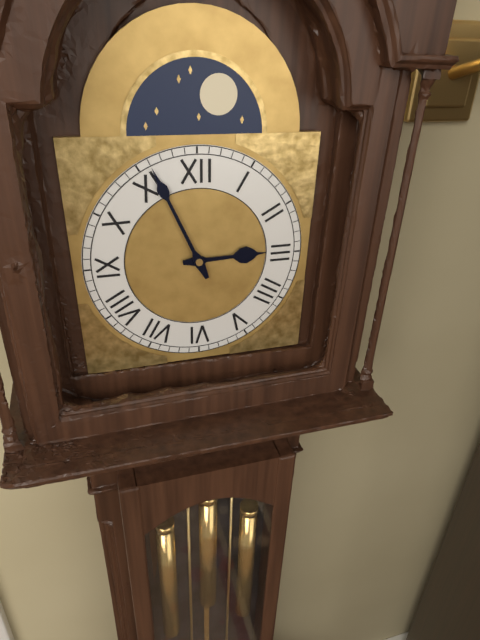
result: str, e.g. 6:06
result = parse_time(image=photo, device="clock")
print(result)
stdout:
2:56
